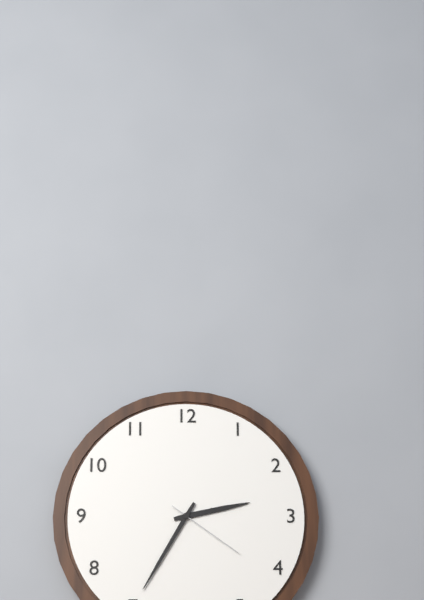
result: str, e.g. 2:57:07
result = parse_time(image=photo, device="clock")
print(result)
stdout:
2:35:21
